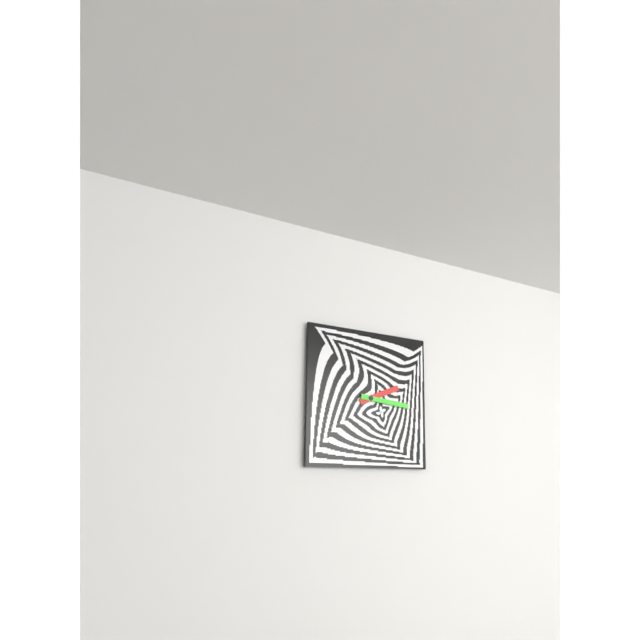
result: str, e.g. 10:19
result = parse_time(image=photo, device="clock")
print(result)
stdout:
2:16
